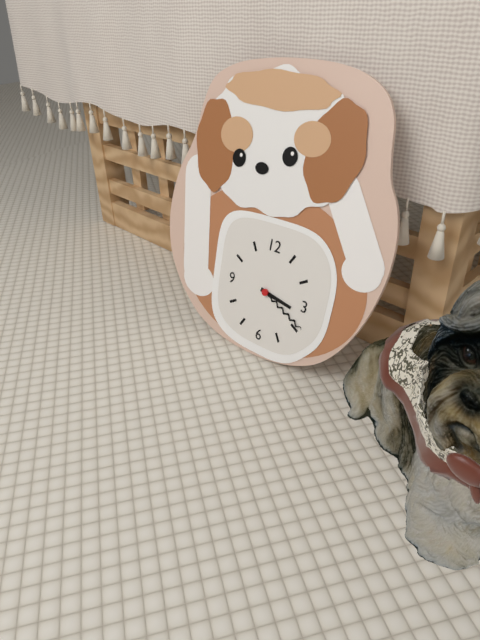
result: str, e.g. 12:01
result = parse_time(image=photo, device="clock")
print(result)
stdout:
3:19
